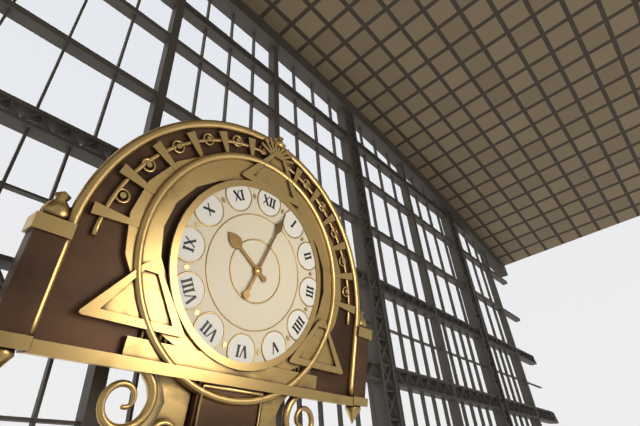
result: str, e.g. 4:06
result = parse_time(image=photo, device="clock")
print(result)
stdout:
10:03
